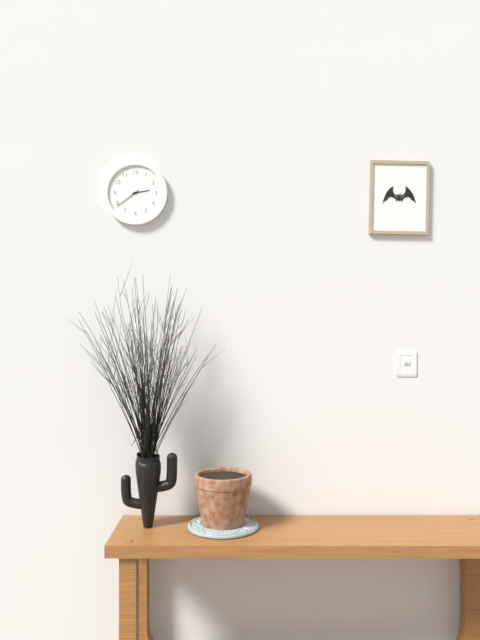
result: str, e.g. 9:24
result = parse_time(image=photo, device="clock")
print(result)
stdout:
2:39
